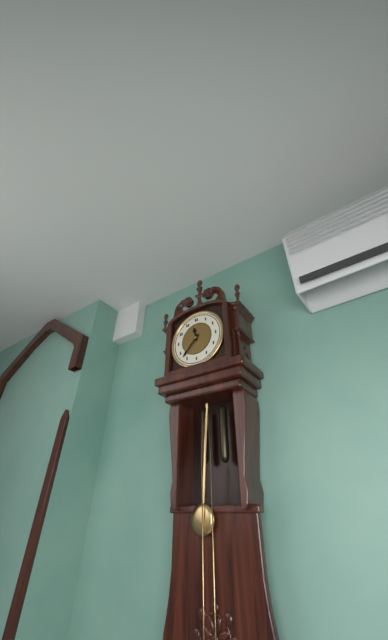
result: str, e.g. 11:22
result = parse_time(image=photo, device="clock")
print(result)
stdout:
11:37
